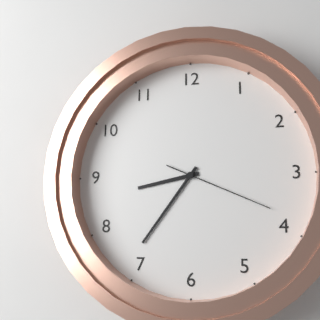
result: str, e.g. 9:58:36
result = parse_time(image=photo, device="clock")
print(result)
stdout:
8:36:19
